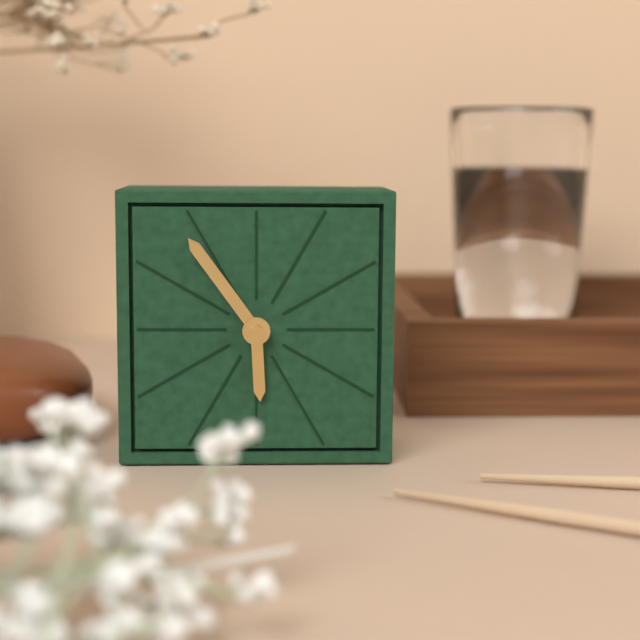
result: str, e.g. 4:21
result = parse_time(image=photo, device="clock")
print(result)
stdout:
5:54
